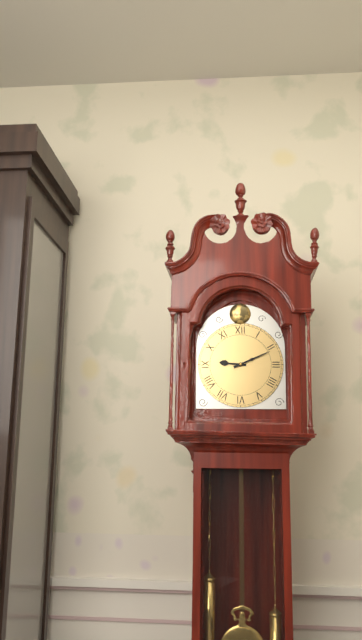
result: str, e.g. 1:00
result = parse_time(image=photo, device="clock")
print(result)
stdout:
9:11
